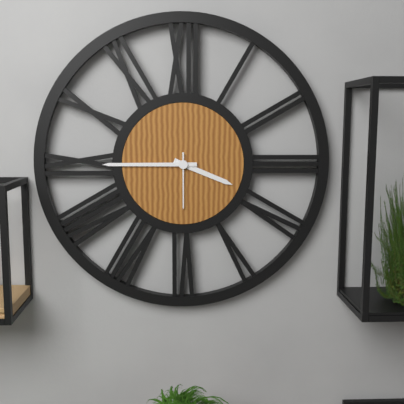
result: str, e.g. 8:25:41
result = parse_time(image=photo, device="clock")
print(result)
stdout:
3:45:30
